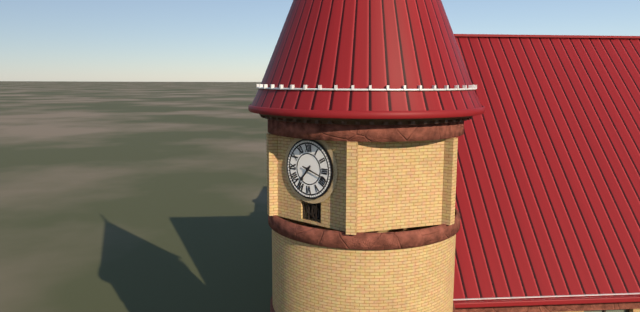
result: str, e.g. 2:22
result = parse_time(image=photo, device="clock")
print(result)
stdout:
7:18
